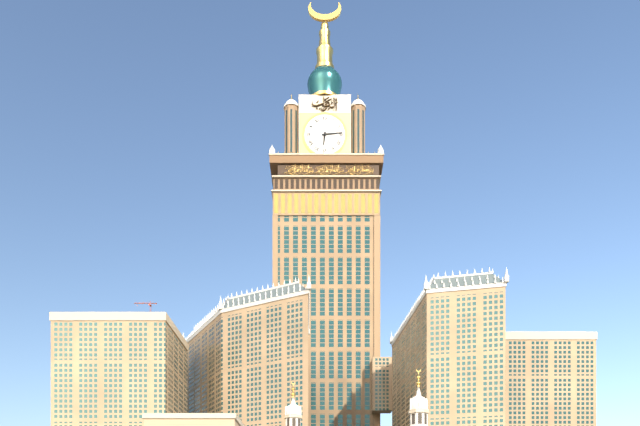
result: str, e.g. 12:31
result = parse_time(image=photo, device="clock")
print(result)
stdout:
6:14
